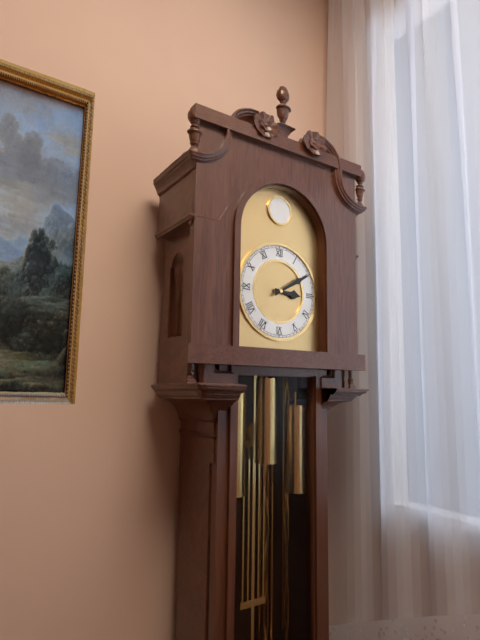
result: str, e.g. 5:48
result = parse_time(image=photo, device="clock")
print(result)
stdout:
3:10
